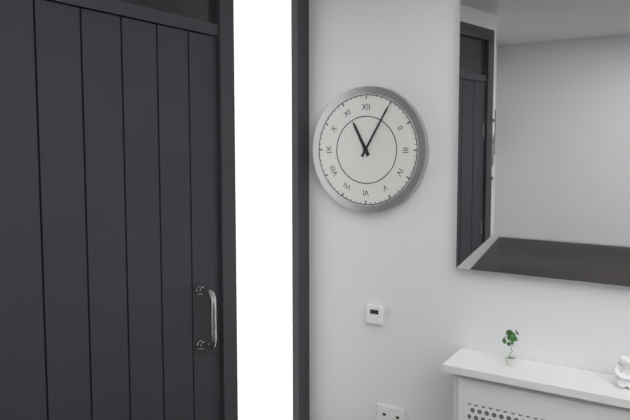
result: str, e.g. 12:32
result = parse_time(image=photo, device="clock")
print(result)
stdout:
11:05
